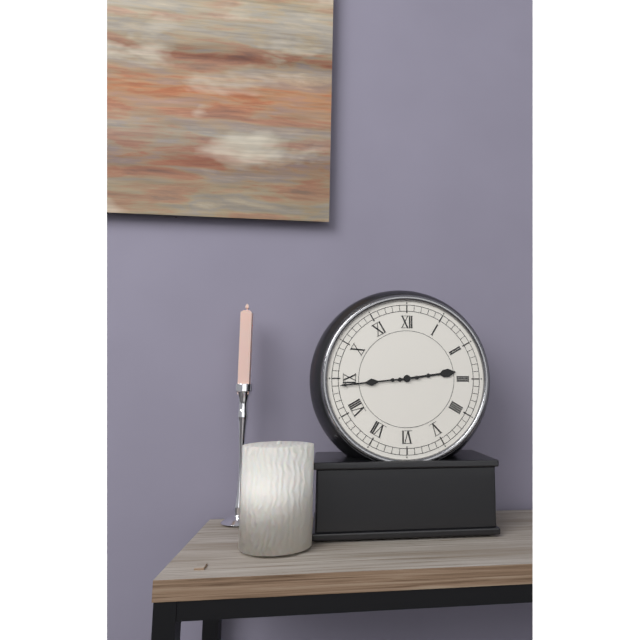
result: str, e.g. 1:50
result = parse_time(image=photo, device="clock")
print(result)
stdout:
2:44
